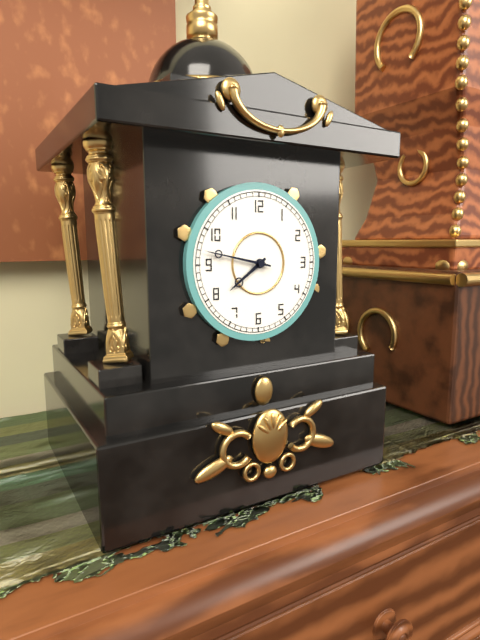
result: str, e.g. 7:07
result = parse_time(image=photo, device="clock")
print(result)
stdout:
7:47
